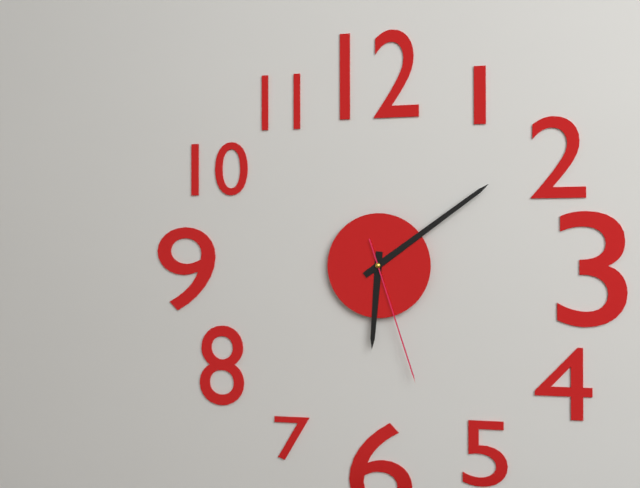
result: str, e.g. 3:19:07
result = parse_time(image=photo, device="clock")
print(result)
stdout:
6:09:27
